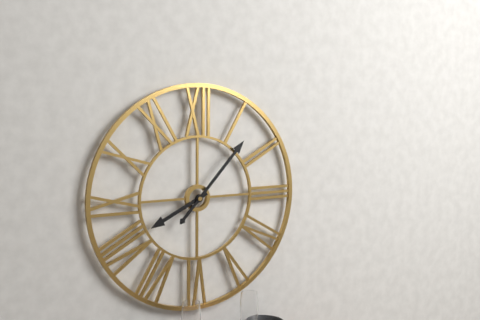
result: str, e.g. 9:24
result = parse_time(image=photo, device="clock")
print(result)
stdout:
8:07
